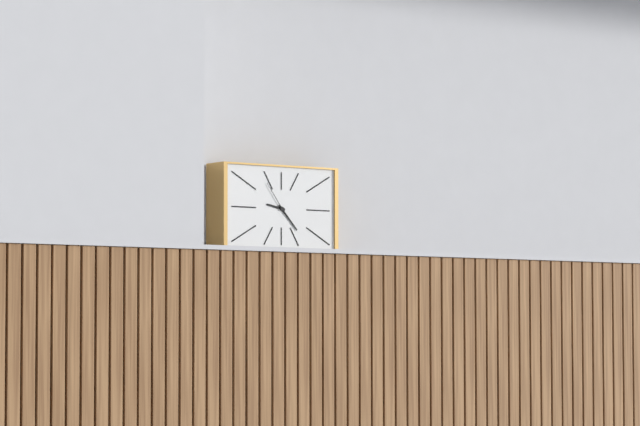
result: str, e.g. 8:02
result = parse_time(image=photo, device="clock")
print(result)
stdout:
9:23
